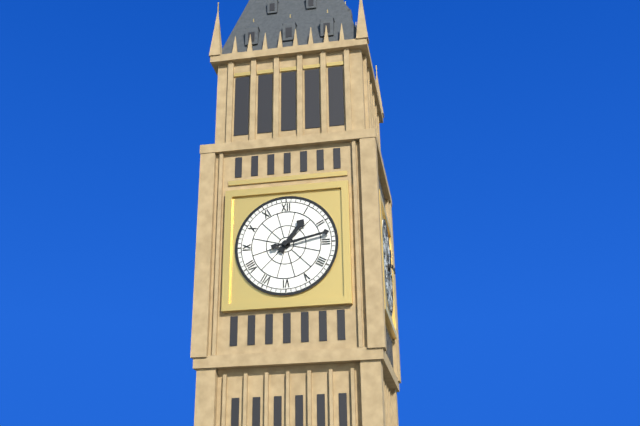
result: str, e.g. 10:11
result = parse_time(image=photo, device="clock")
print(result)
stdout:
1:13
